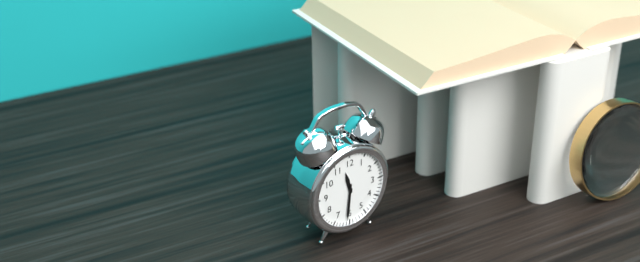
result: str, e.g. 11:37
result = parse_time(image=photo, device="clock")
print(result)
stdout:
11:31
